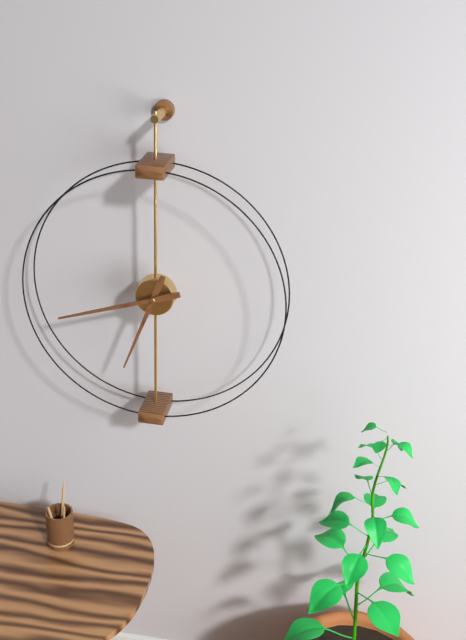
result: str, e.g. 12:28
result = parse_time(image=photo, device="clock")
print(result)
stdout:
6:42
